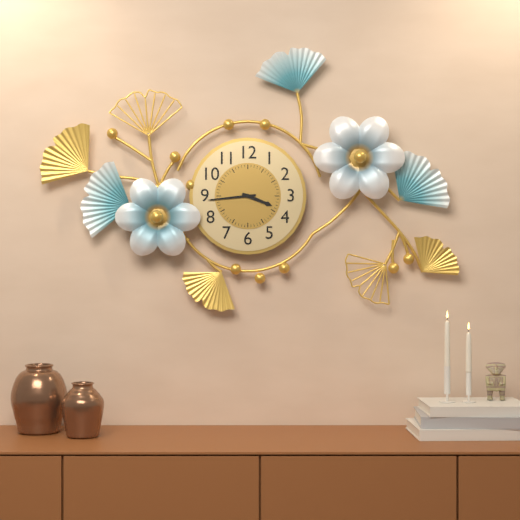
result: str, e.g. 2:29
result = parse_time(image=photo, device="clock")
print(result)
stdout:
3:44
